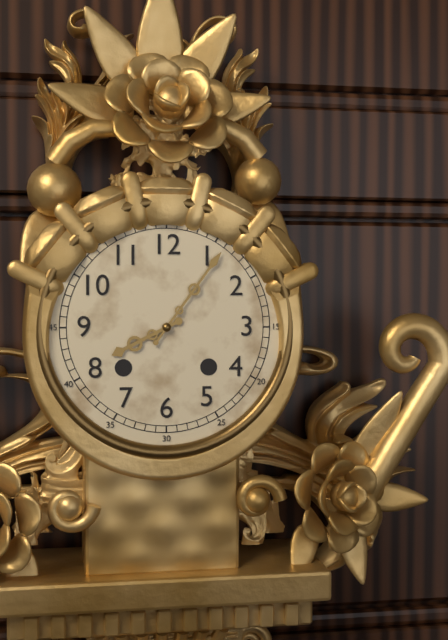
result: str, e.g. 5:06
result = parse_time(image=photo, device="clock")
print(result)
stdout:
8:06
